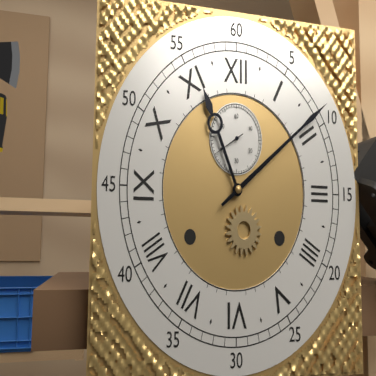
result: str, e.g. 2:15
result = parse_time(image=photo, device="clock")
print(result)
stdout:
11:09
